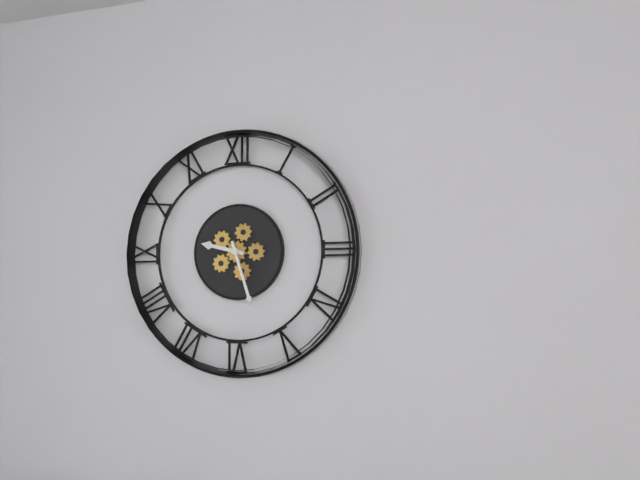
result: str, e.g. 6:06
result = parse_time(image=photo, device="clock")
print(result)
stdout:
9:27
